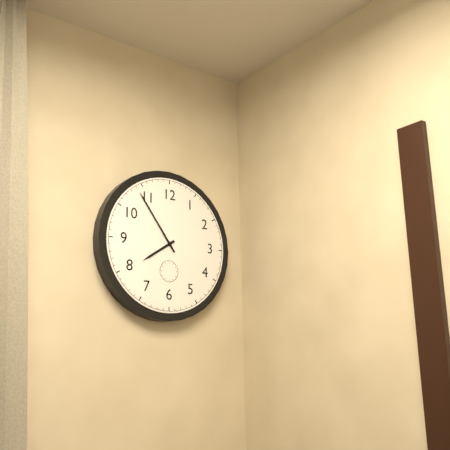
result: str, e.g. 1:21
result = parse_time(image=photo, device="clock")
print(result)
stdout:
7:54
